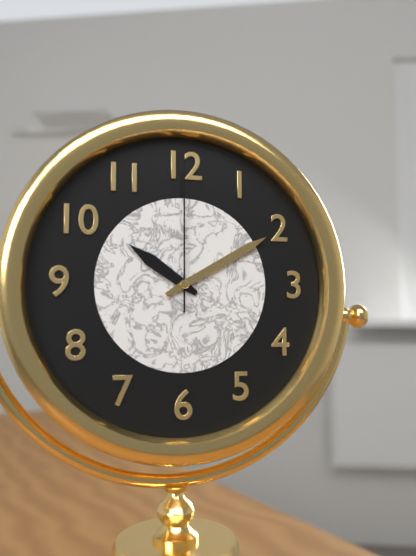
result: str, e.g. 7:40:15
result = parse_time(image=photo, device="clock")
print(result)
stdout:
10:10:00
